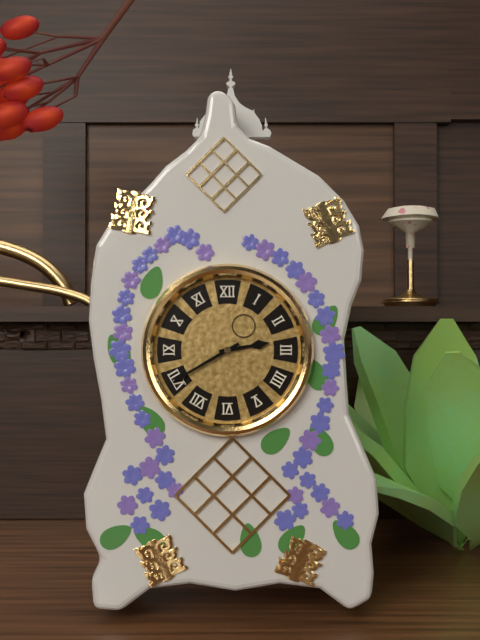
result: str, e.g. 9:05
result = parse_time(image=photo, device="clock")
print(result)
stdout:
2:40
